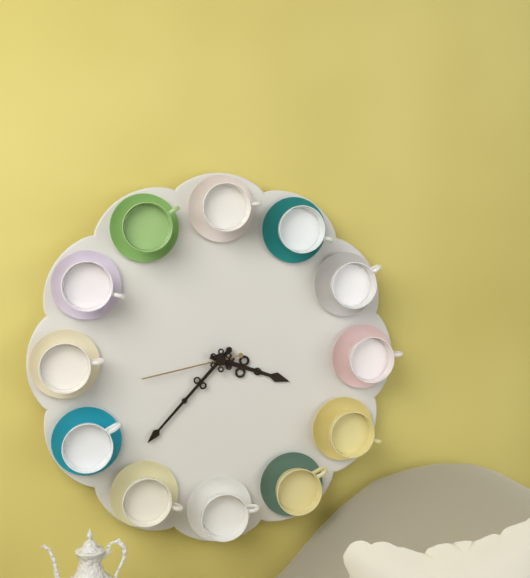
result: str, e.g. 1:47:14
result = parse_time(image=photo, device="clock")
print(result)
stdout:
3:37:43
